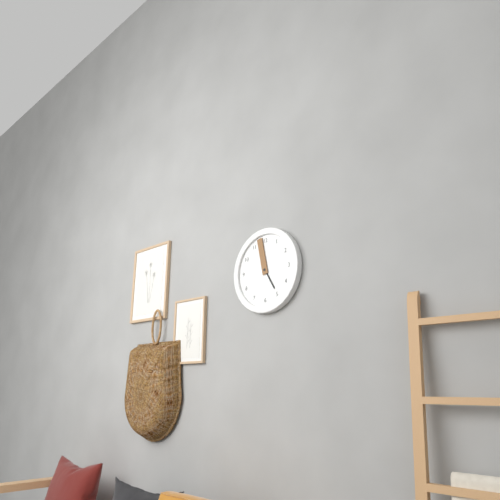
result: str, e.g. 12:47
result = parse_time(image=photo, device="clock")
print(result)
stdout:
4:58
